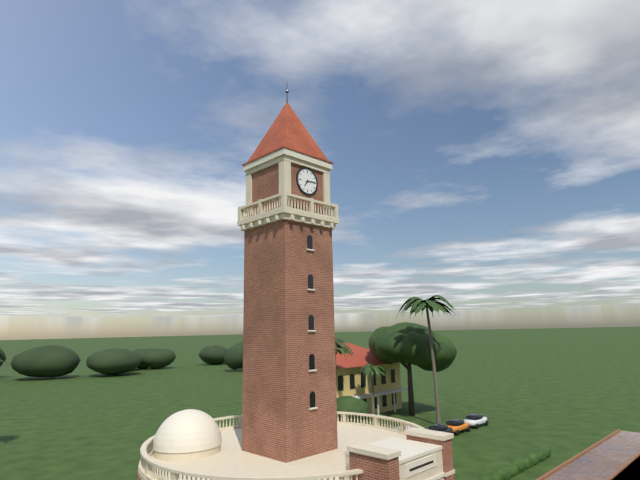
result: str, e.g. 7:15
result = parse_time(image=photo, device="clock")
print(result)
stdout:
7:14
